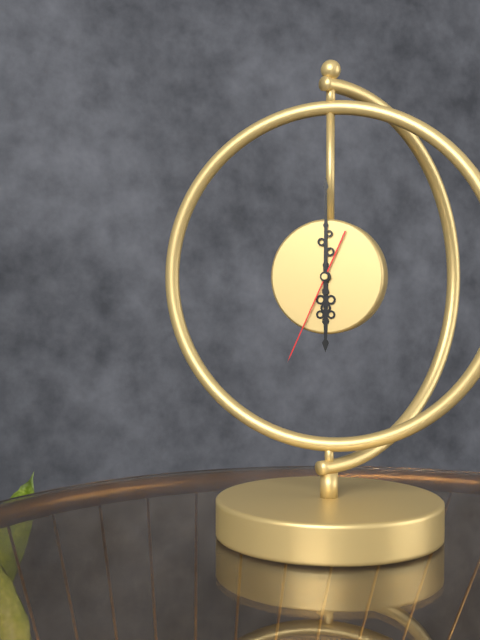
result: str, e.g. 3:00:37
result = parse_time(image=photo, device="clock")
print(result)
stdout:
6:00:34
